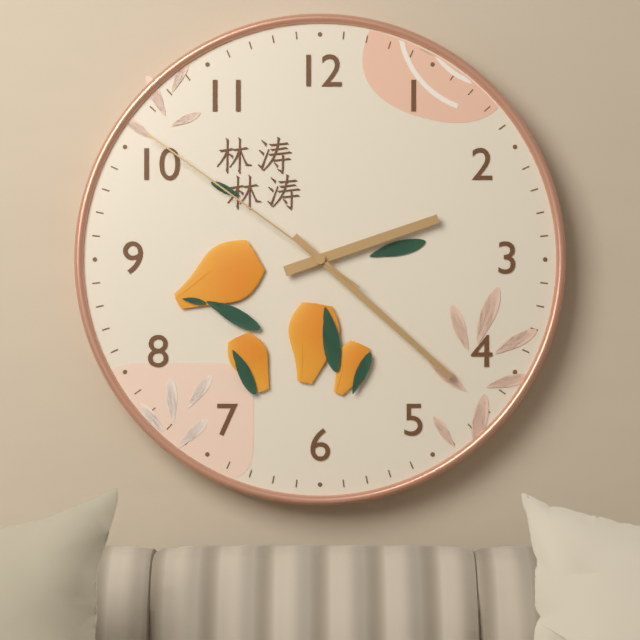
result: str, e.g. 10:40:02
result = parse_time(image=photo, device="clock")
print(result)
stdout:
2:22:51
